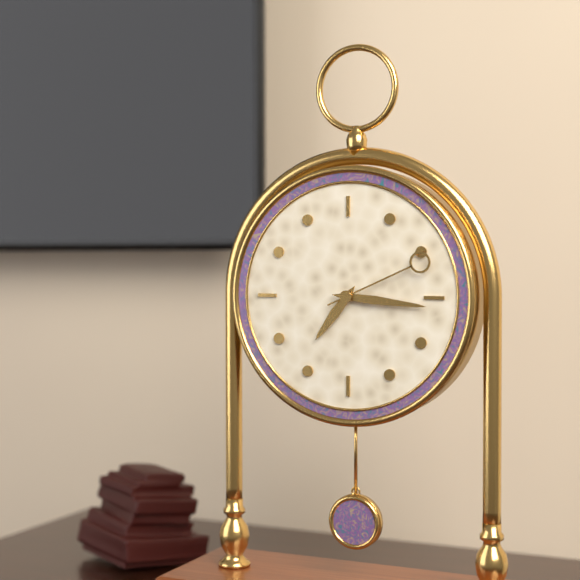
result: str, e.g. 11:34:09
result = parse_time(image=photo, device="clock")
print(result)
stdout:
7:16:11
